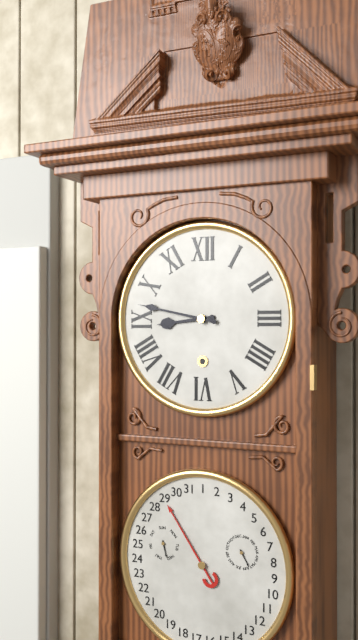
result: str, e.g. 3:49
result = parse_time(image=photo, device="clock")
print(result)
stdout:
8:47
